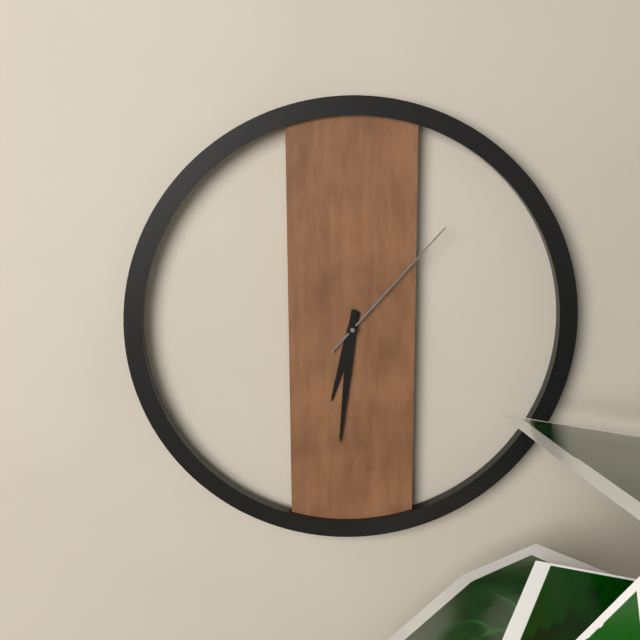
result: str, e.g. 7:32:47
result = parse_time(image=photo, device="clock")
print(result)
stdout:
6:31:07
